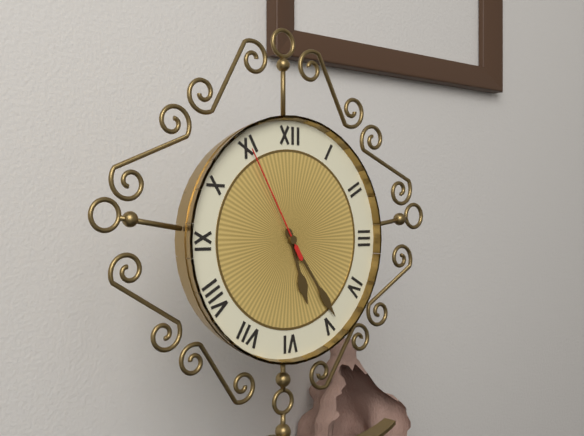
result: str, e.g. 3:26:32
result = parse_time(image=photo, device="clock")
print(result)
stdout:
5:24:55
